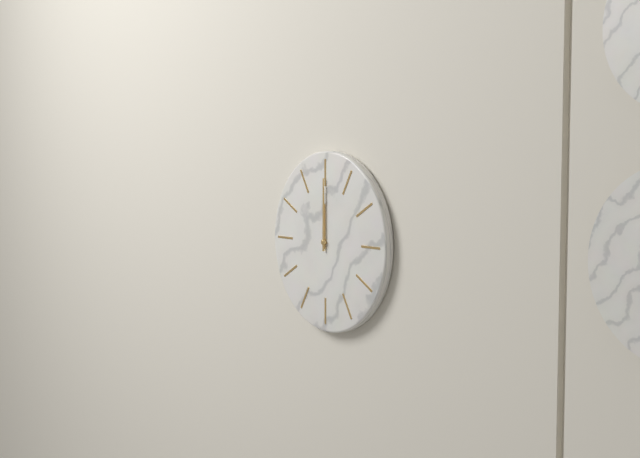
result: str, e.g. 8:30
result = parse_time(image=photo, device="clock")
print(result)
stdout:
12:00
